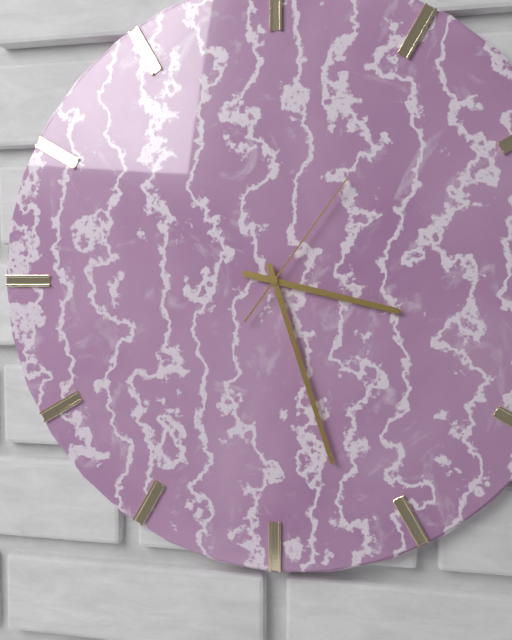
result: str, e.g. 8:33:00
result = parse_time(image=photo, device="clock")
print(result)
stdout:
3:27:06
